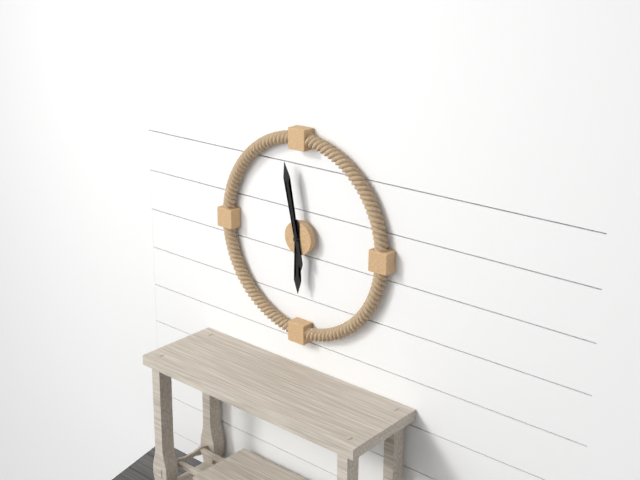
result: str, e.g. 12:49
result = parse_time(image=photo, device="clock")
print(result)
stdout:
5:58
